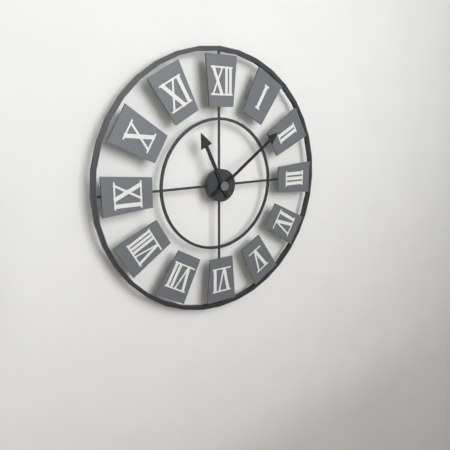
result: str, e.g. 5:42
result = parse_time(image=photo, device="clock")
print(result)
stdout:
11:09
